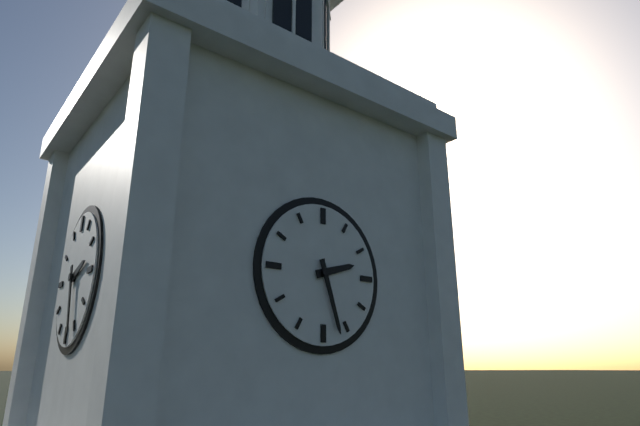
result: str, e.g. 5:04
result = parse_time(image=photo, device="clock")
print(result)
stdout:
2:27
